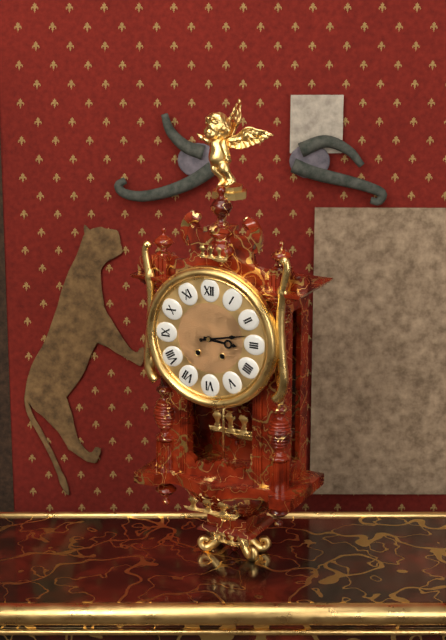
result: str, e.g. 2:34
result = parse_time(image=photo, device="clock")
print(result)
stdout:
3:13
